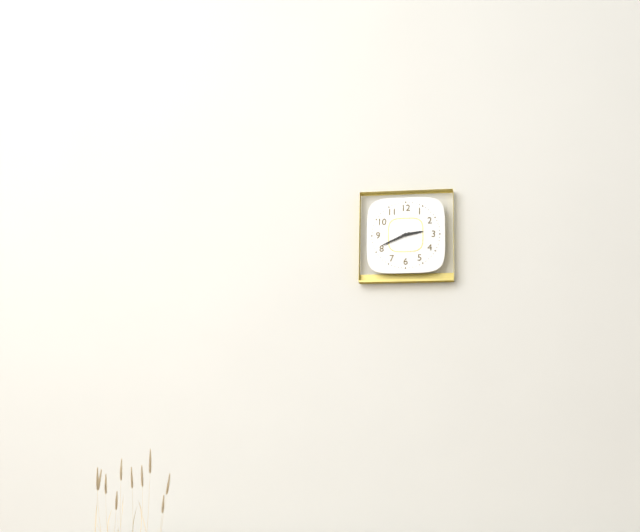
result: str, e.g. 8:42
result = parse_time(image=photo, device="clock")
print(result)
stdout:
2:41
